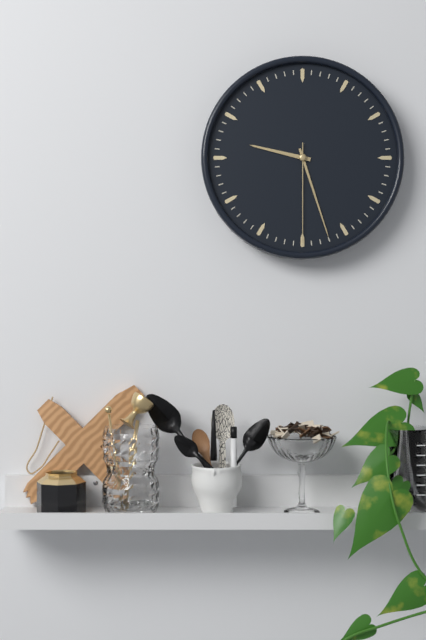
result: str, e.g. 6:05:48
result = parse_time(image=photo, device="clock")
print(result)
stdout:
9:27:30
